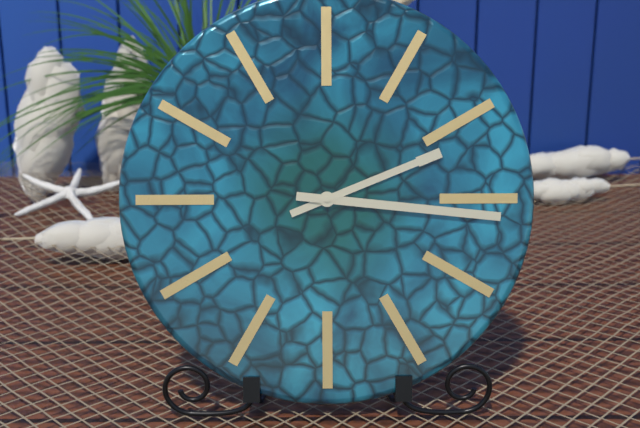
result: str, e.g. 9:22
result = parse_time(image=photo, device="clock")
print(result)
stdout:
2:16
